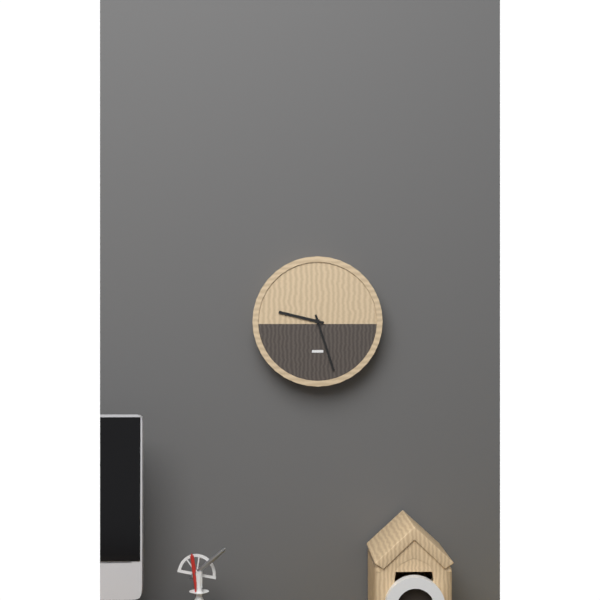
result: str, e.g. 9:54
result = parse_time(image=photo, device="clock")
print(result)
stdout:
9:27
